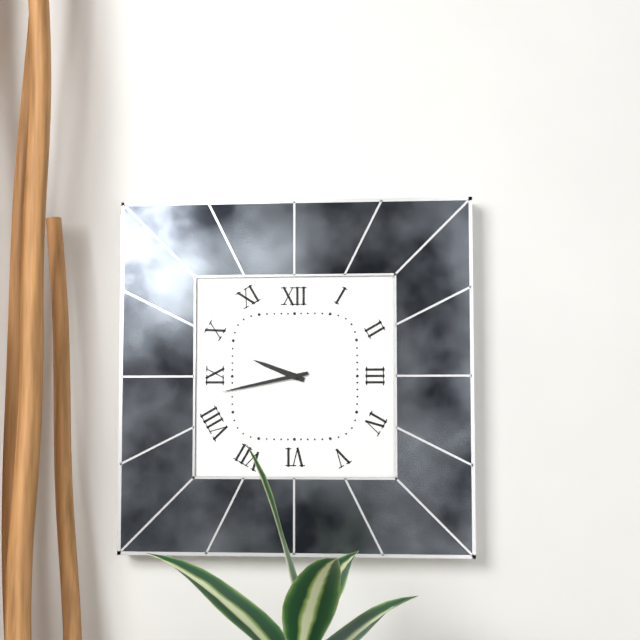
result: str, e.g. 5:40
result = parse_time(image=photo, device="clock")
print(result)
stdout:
9:43
